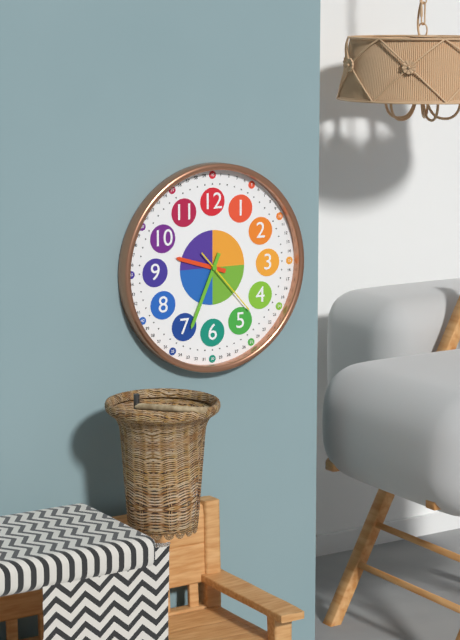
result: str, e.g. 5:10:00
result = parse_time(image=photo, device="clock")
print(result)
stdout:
9:34:23
